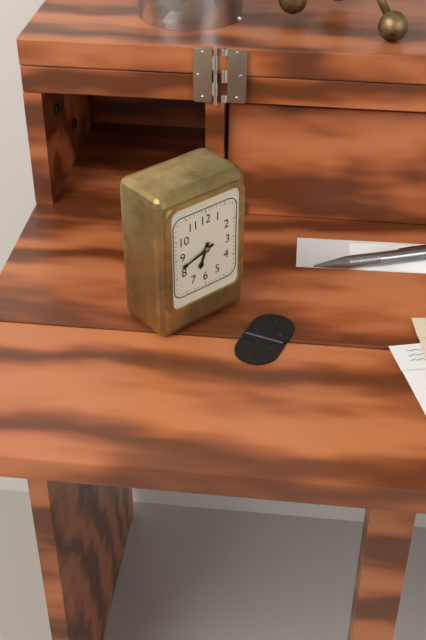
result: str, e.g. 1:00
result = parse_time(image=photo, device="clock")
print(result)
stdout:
6:42
